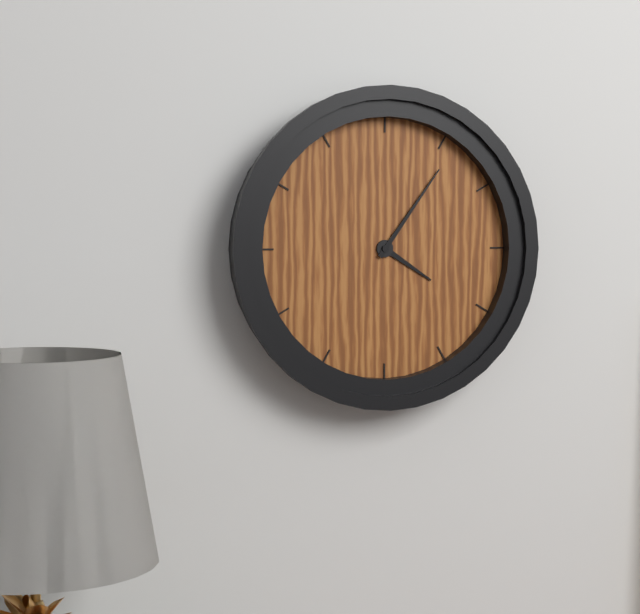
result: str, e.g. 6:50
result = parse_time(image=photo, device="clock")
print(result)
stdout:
4:06
